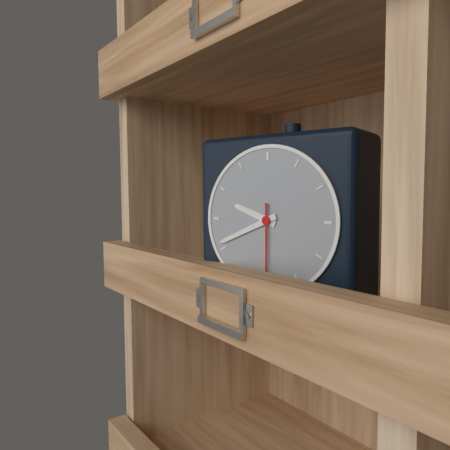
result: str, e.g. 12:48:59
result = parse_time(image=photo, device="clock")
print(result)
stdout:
9:41:30
